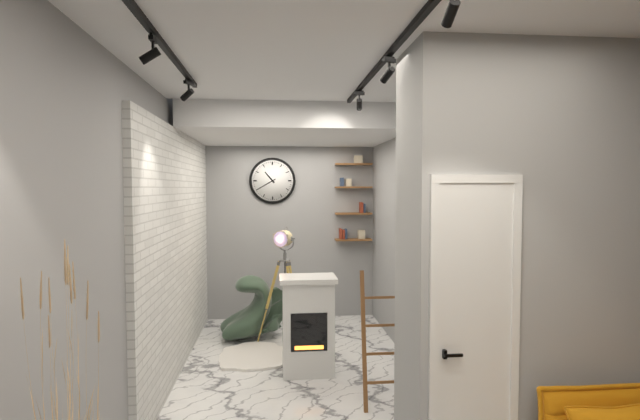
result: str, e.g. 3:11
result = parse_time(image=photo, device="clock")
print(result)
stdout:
10:40
